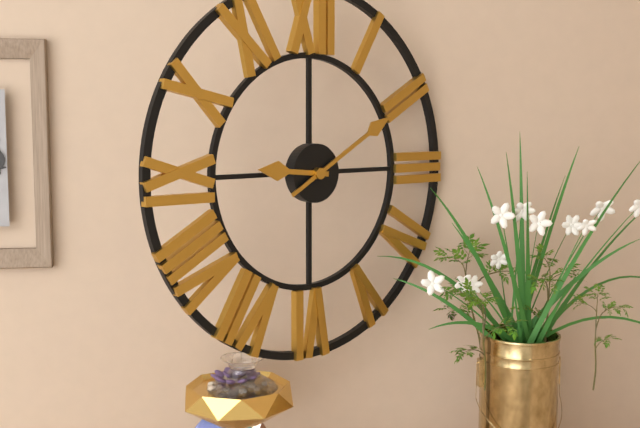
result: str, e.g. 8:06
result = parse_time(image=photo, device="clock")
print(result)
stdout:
9:10
